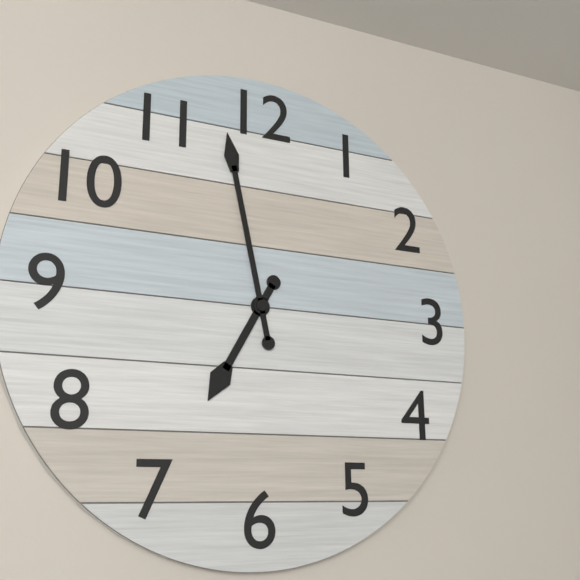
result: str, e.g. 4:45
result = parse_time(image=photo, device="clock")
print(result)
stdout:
6:58
